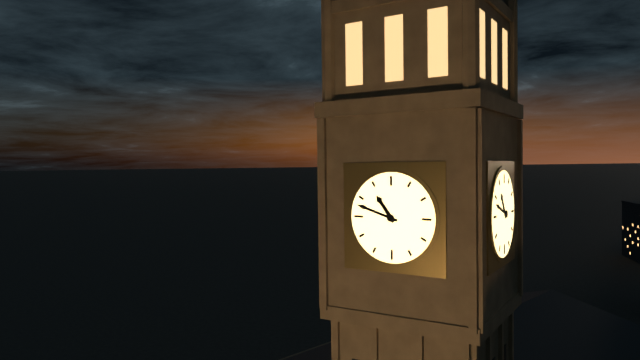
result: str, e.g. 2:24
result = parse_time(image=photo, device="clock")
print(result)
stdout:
10:48
